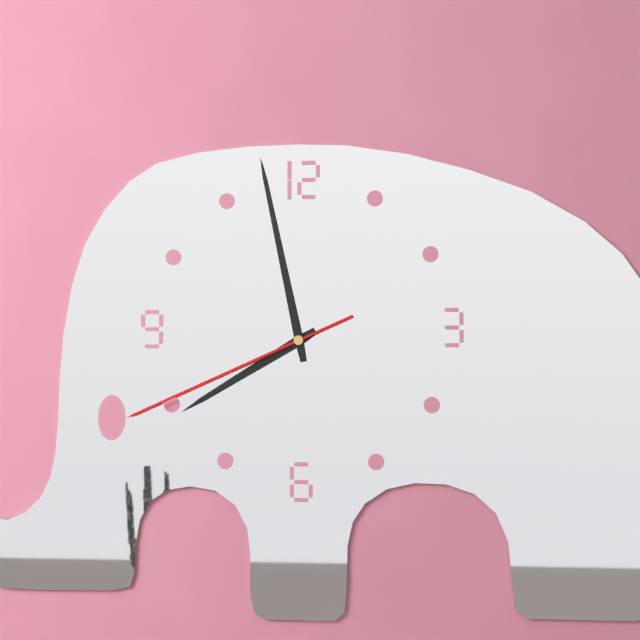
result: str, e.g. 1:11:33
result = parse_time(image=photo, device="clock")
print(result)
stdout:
7:58:41
